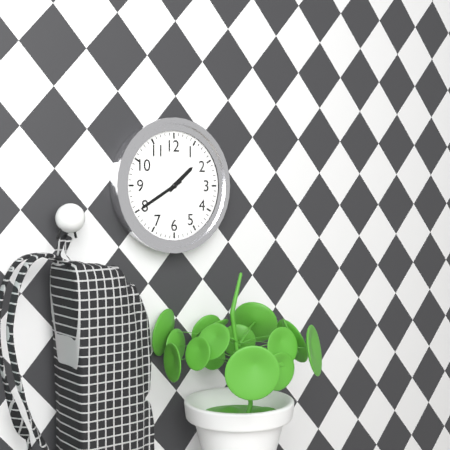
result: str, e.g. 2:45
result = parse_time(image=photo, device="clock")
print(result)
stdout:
1:40
